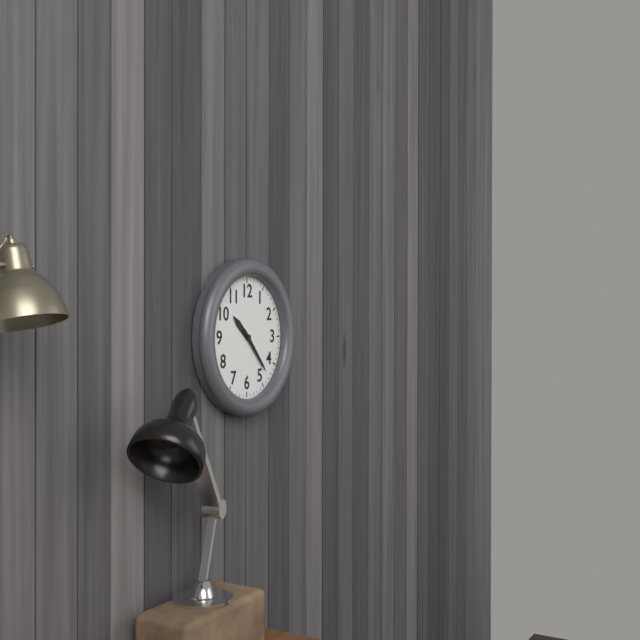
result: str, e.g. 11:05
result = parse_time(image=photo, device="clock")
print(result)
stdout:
10:23
